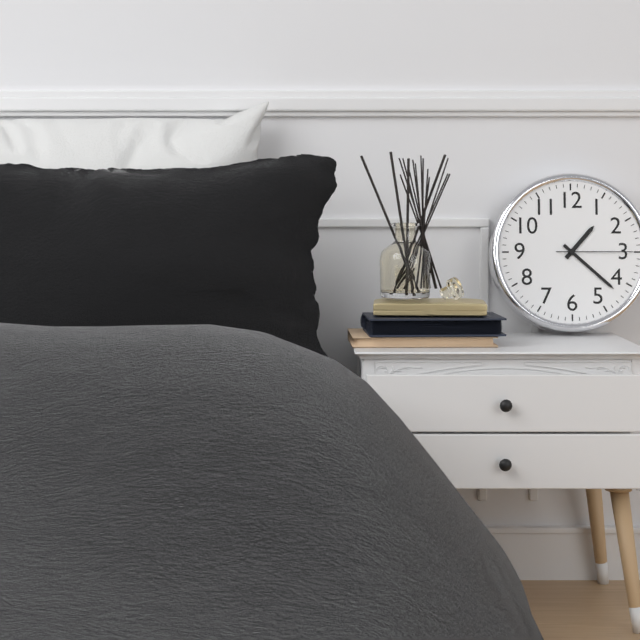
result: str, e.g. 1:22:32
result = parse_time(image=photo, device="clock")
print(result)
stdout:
1:22:15
